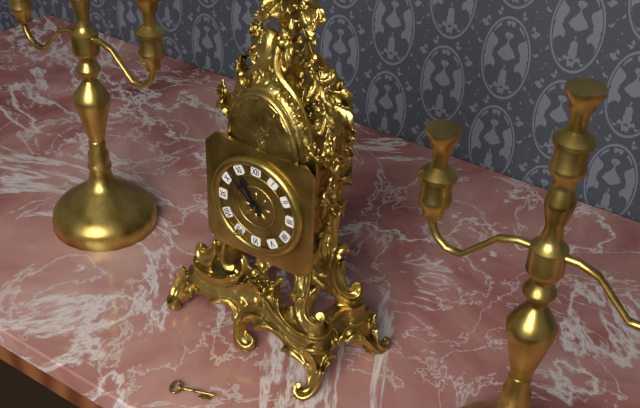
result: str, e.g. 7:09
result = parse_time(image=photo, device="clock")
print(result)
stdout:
10:52
